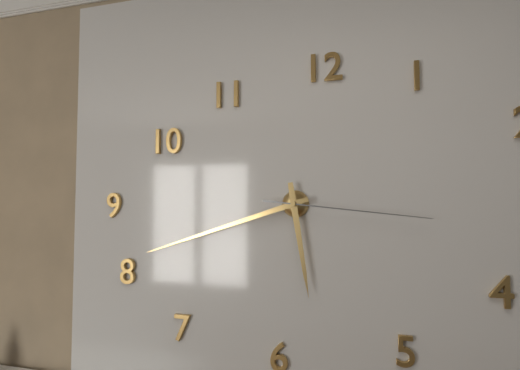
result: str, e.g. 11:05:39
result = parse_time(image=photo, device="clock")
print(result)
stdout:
5:42:16
